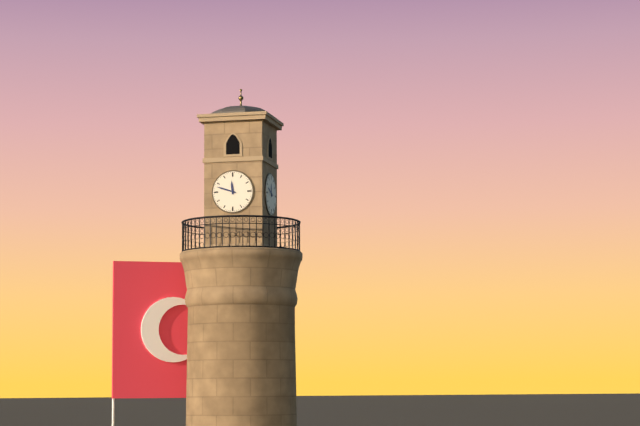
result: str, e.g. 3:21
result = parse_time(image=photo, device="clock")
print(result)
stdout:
11:48
